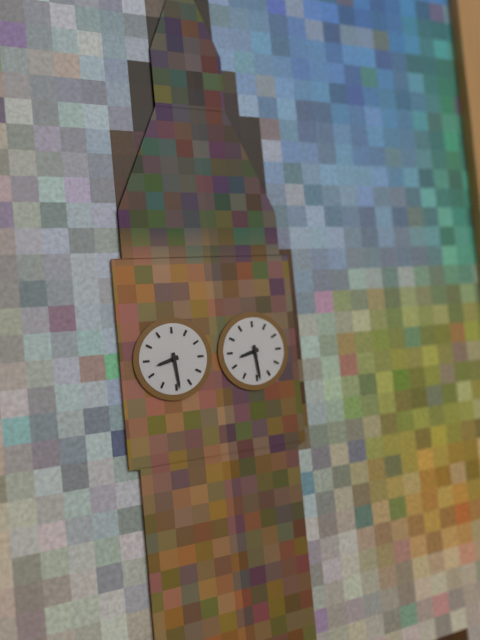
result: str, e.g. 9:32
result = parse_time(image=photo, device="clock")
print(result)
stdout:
8:29
